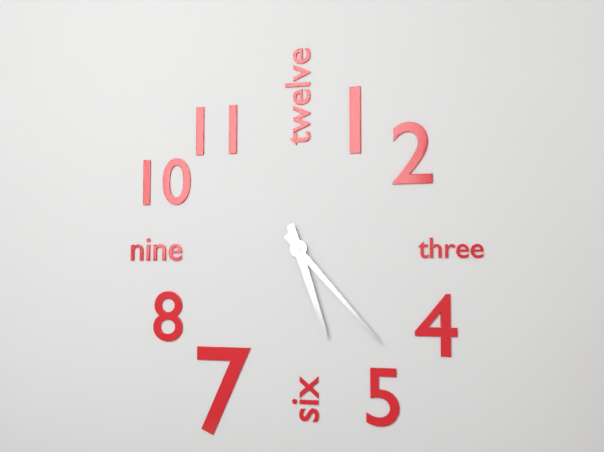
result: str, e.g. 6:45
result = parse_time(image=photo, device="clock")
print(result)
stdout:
5:23
